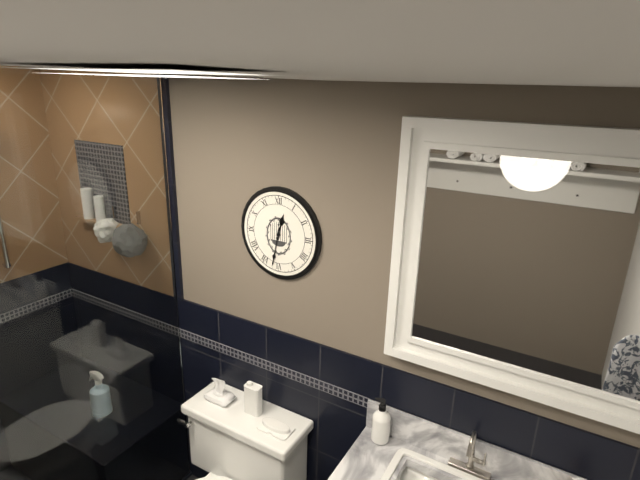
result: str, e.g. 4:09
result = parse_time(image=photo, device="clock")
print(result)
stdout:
12:32
